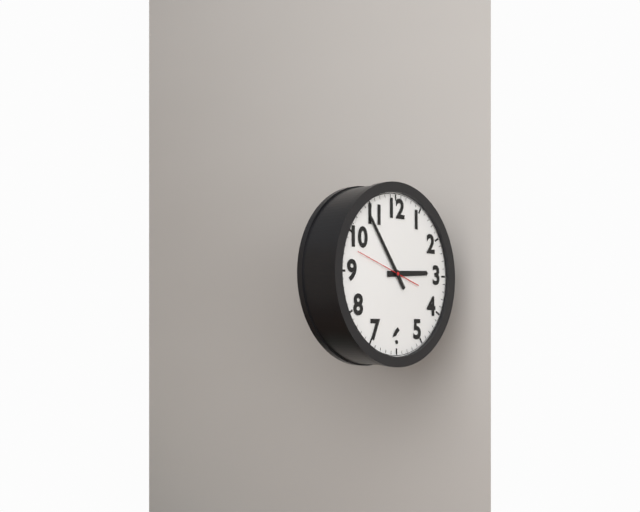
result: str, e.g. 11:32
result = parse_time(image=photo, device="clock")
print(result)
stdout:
2:54
